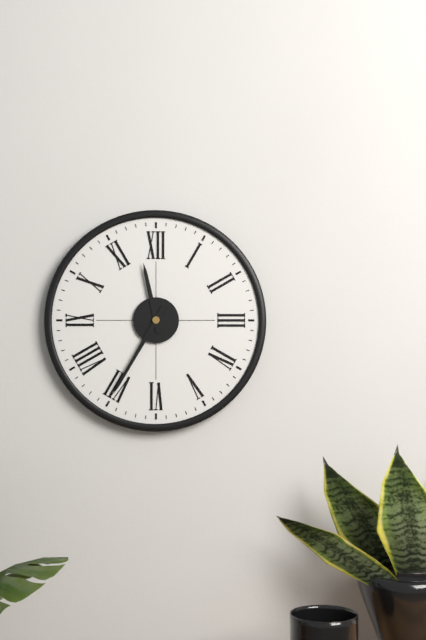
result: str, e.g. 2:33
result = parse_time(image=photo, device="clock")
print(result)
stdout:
11:35
